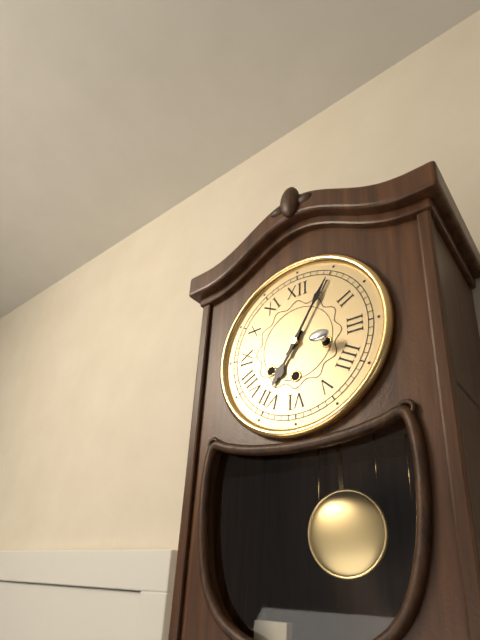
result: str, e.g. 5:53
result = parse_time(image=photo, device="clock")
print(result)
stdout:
7:05
